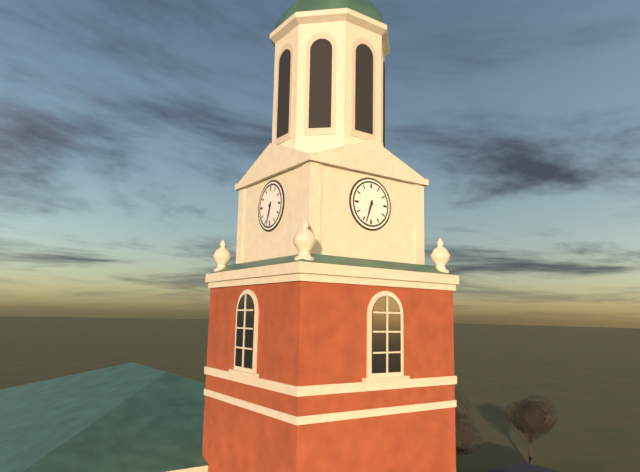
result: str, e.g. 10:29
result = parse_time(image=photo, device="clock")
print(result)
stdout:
6:33
